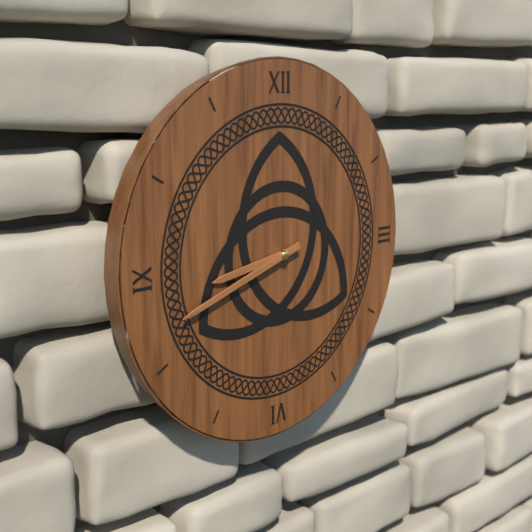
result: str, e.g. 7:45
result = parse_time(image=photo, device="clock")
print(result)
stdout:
8:42
